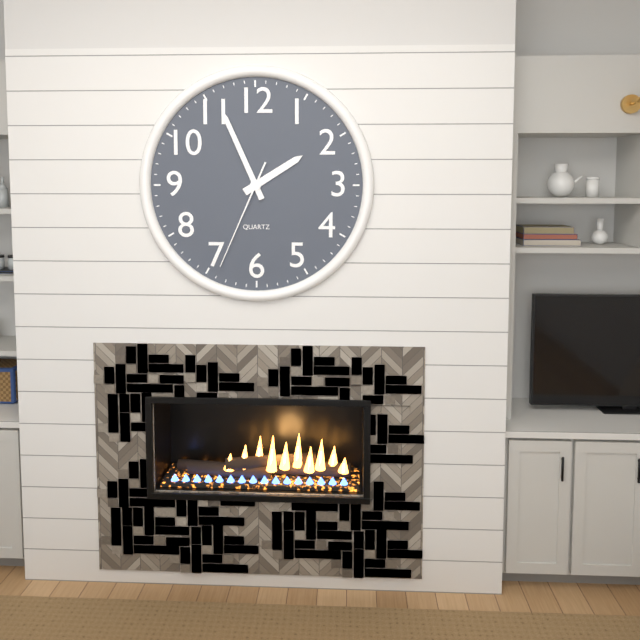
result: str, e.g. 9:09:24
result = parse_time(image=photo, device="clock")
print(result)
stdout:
1:56:34
